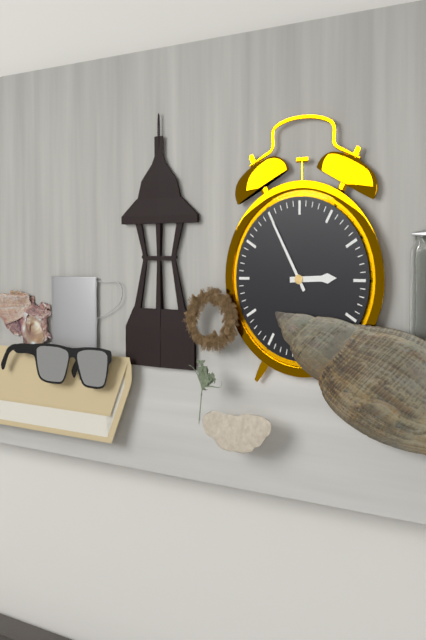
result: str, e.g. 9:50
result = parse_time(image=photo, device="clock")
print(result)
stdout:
2:55
